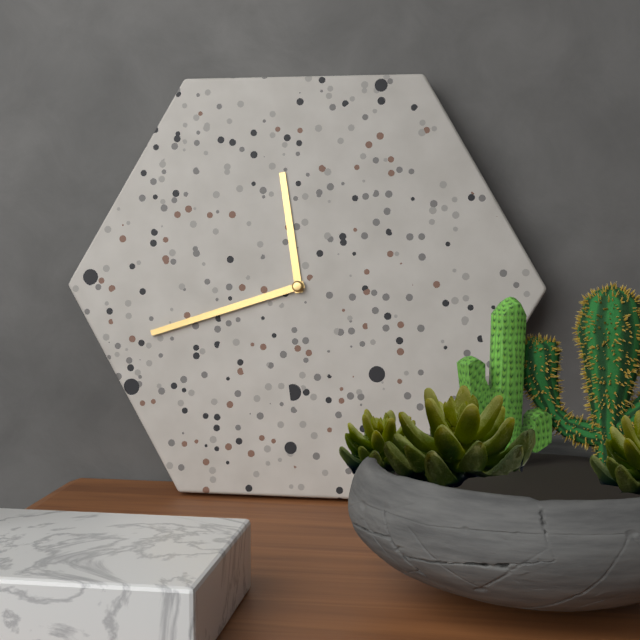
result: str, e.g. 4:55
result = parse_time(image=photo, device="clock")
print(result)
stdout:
11:42
